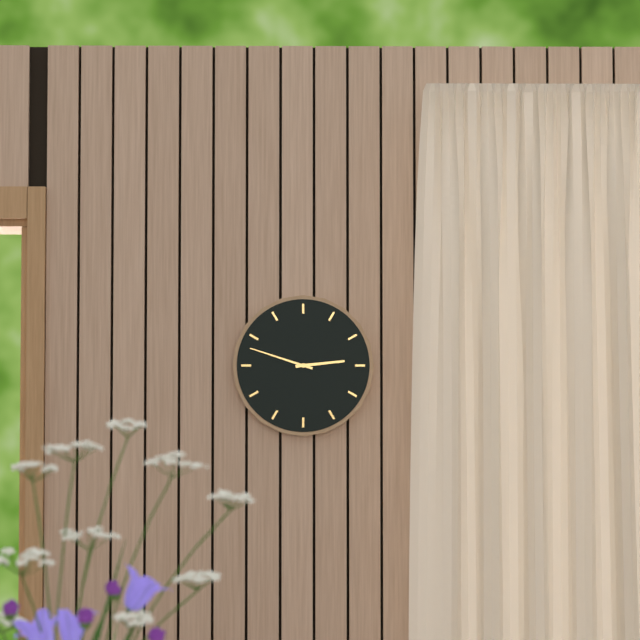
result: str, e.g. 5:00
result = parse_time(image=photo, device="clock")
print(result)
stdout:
2:48
